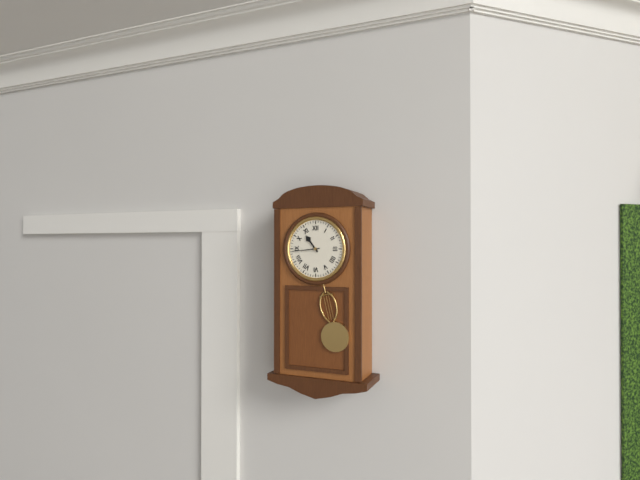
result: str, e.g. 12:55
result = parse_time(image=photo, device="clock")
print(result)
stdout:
10:44
